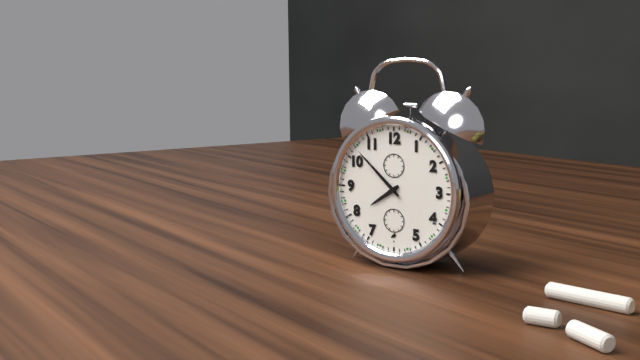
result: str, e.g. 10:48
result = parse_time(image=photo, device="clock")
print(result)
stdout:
7:52
